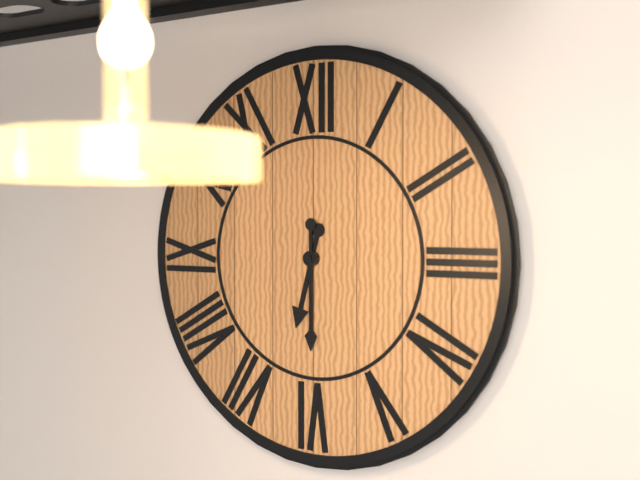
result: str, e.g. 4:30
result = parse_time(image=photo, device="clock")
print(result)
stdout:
6:30
